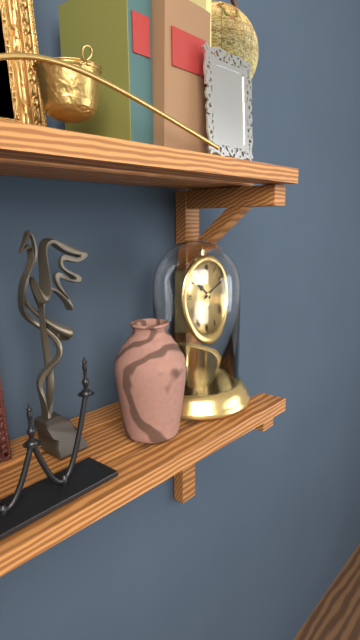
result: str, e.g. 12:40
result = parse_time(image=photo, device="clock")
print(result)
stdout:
10:11
